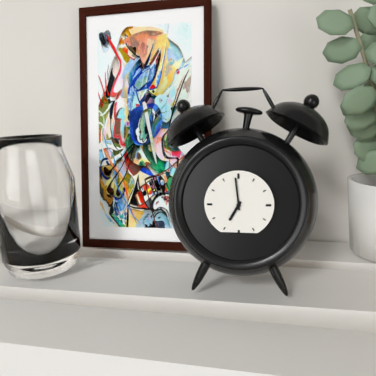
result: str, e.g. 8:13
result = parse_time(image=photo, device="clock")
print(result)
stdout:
6:59
